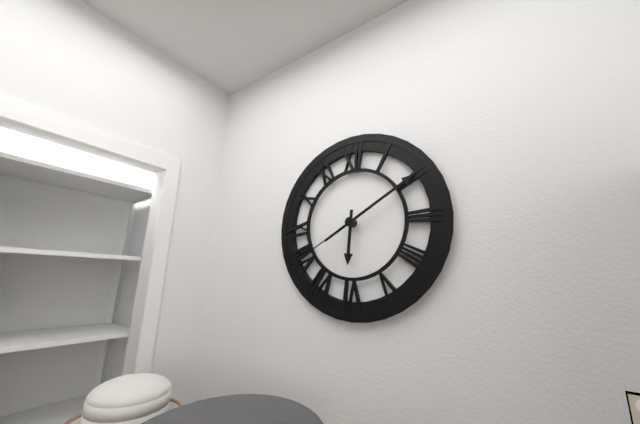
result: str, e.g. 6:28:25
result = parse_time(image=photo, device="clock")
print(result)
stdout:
6:10:40
